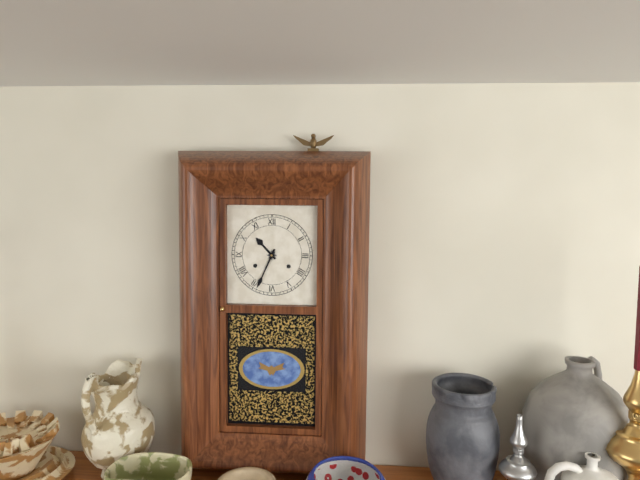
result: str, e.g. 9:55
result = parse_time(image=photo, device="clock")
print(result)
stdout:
10:34
